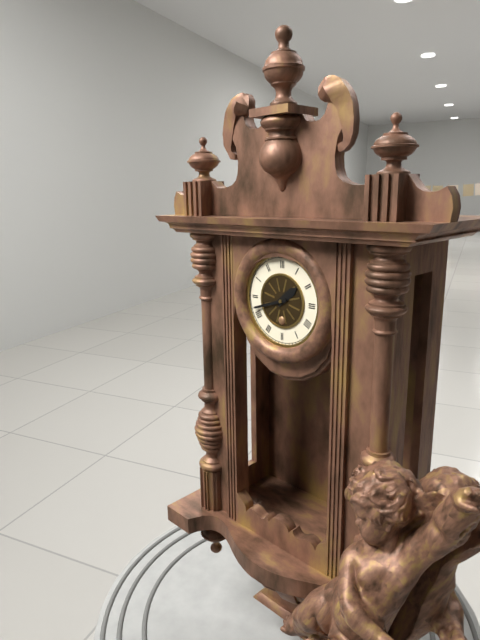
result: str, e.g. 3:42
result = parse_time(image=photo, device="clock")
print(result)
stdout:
1:42
